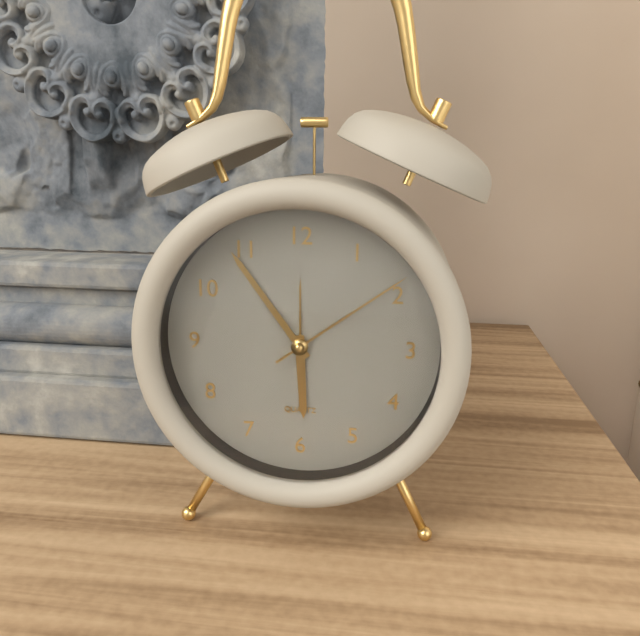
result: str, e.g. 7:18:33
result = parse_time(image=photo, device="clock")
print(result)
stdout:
5:54:09
